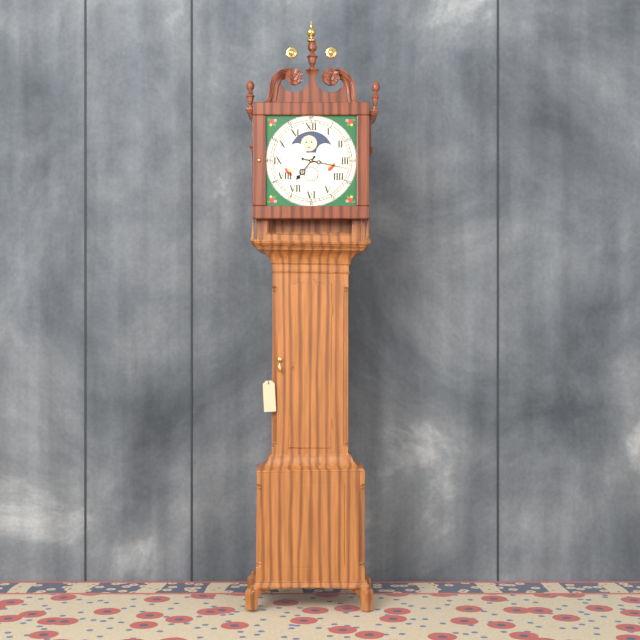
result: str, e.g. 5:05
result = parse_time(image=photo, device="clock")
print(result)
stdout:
7:17
